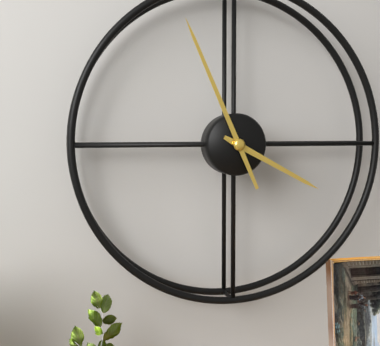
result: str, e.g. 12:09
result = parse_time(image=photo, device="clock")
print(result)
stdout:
3:56
